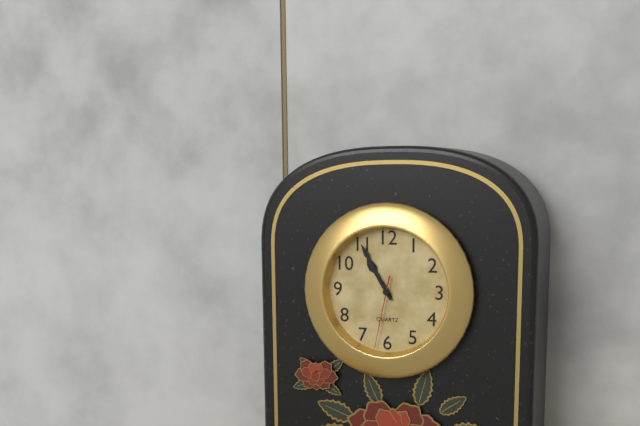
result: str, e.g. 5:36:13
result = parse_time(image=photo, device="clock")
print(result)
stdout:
10:55:32
